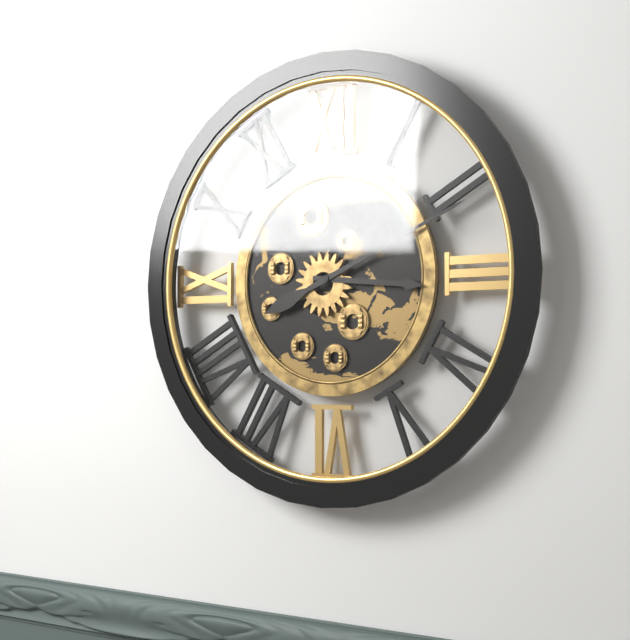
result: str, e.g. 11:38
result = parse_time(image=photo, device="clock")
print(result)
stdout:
3:11
